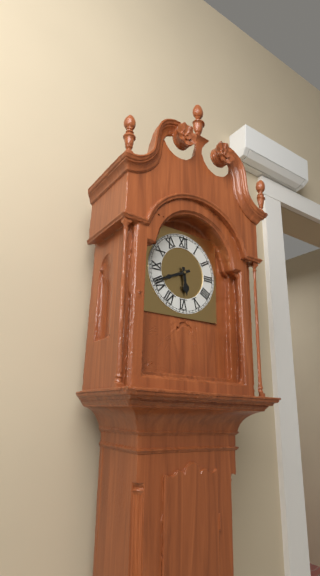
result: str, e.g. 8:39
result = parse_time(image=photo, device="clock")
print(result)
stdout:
5:41
